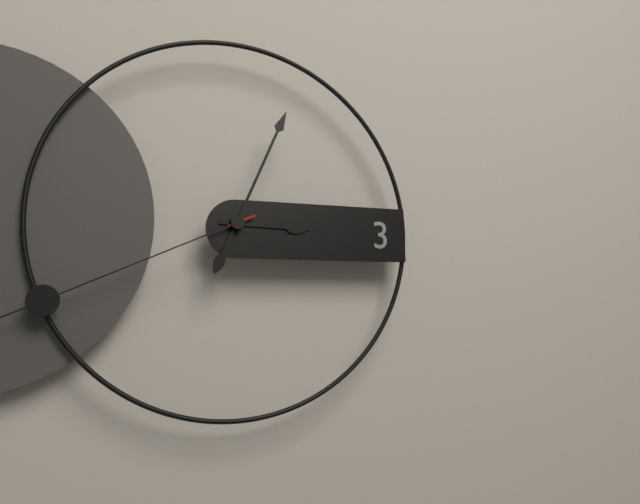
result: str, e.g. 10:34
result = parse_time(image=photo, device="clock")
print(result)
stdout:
3:04
